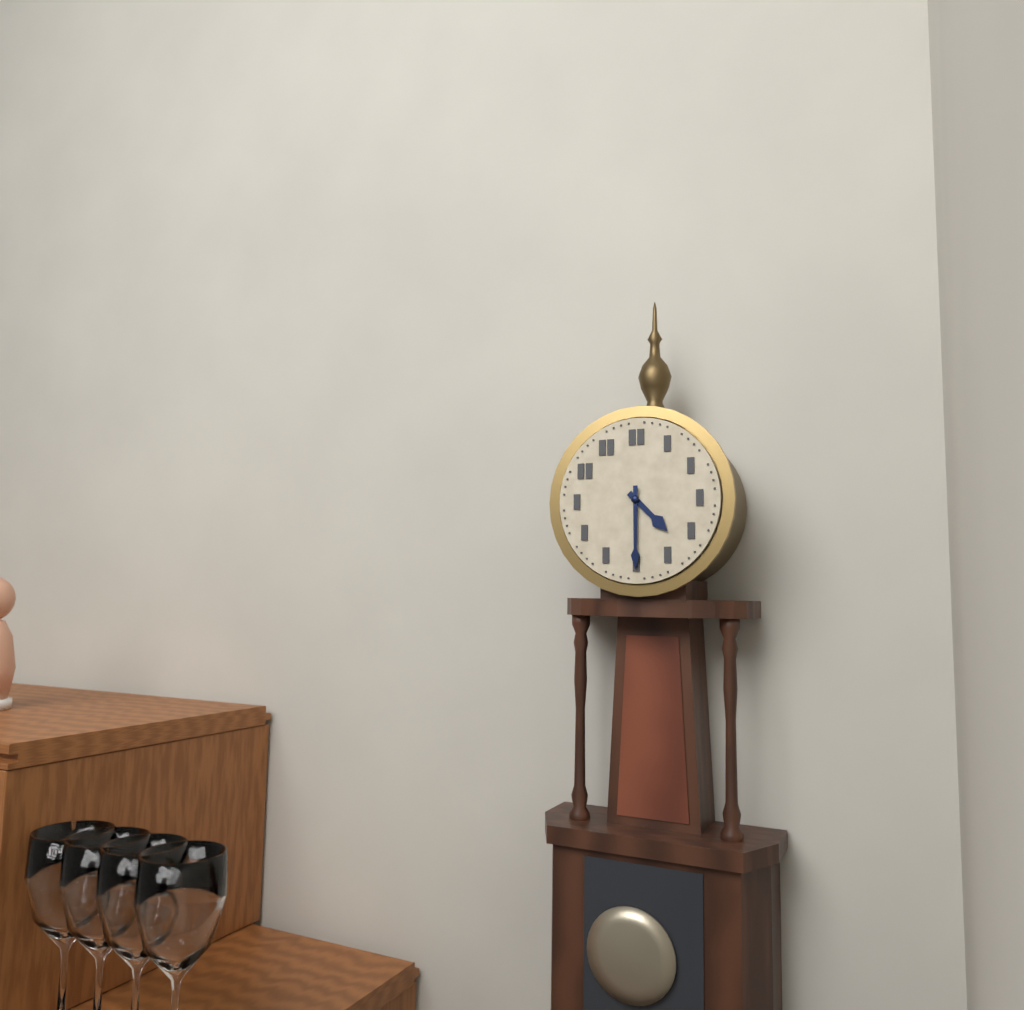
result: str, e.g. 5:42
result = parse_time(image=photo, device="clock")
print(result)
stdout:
4:30
